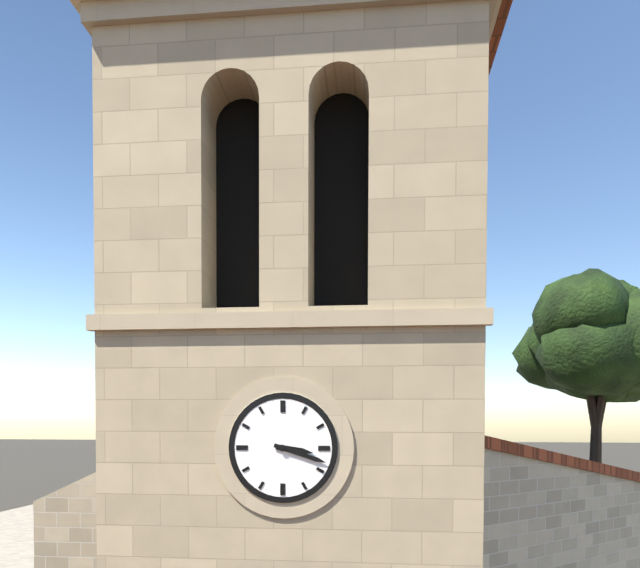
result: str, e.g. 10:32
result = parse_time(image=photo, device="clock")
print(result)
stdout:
3:18
